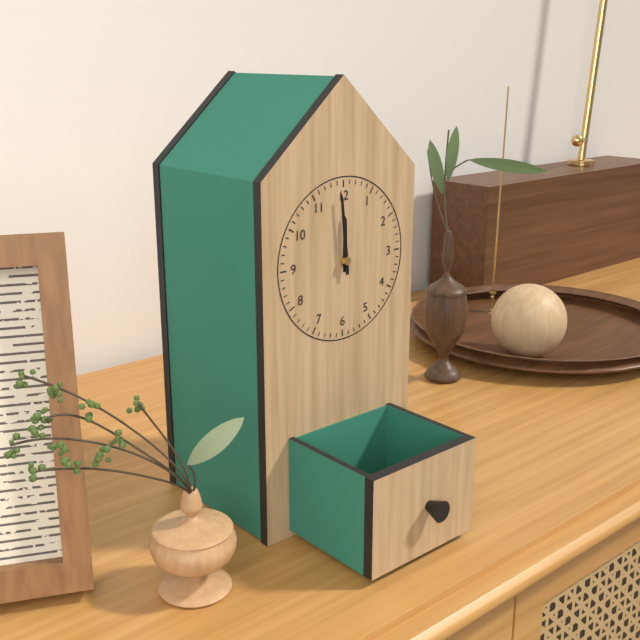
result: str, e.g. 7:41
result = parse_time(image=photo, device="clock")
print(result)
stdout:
11:59
